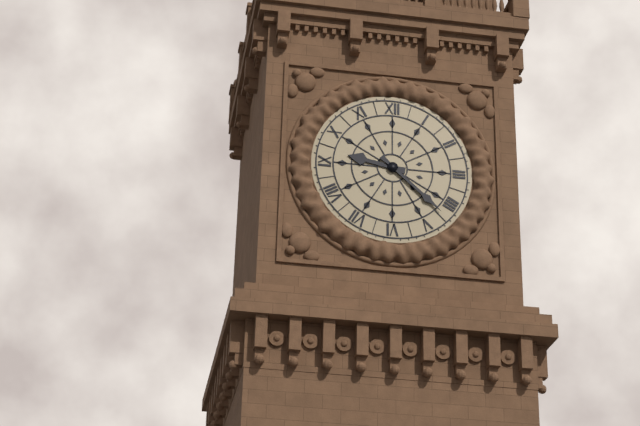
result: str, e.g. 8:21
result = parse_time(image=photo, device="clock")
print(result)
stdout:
9:22
